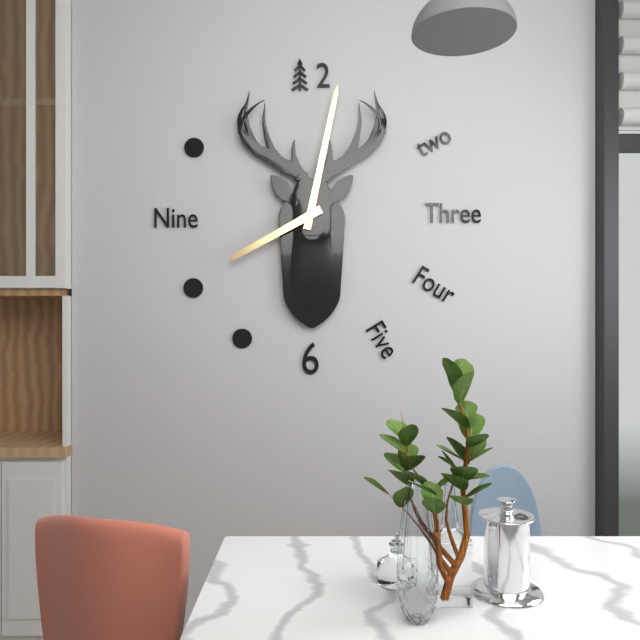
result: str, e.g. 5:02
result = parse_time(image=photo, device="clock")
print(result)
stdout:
8:02
